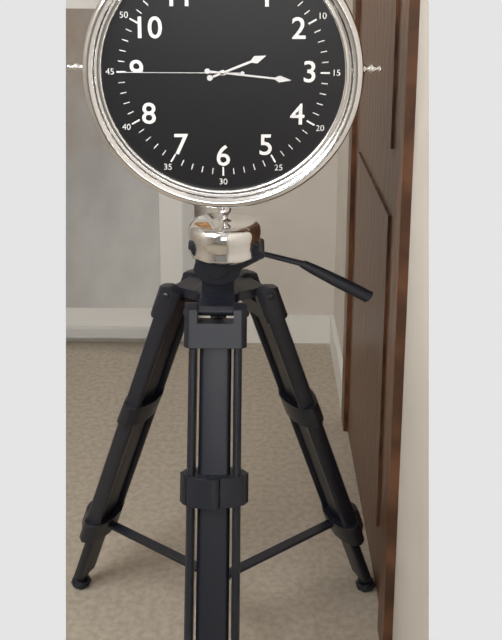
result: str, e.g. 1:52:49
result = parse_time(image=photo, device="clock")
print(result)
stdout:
2:16:45
